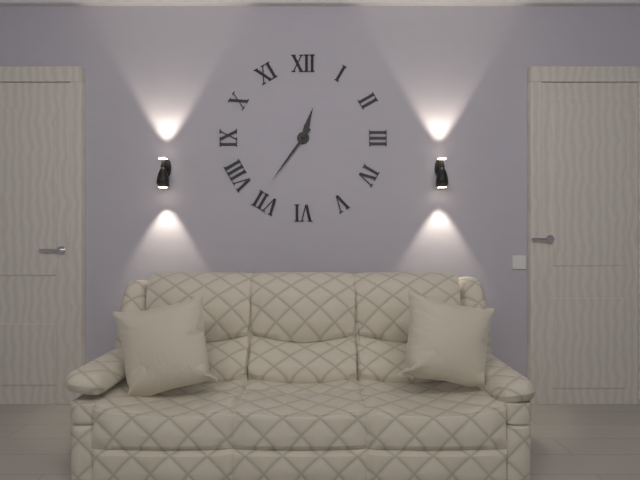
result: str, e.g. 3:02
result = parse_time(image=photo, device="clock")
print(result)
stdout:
12:36
